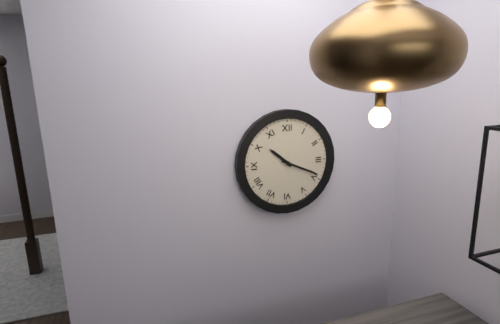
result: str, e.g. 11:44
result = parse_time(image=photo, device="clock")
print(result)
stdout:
10:19
